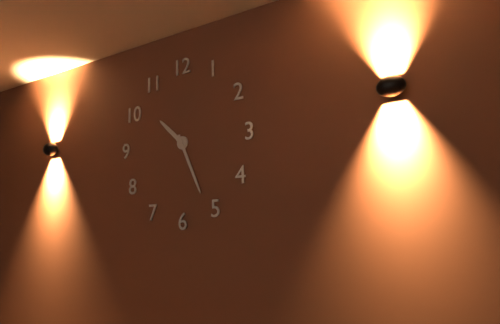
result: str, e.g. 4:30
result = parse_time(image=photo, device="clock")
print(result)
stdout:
10:26
